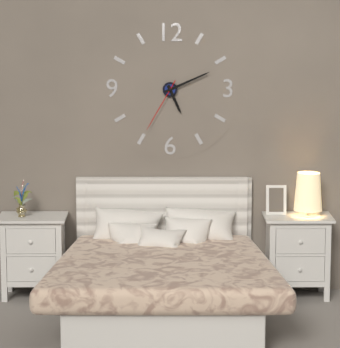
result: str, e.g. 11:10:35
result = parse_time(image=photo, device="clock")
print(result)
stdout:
5:11:35
